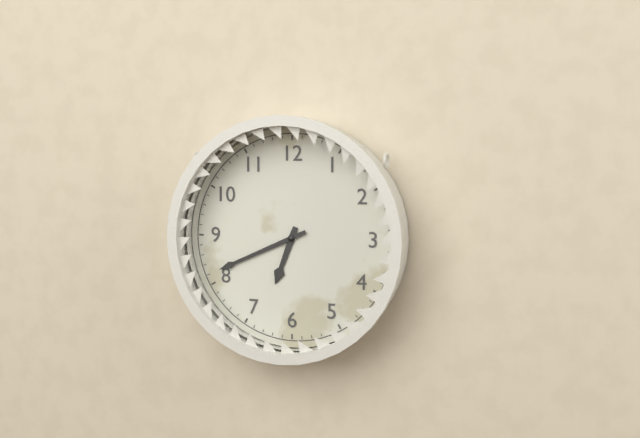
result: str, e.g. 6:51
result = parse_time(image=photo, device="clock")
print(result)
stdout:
6:41
